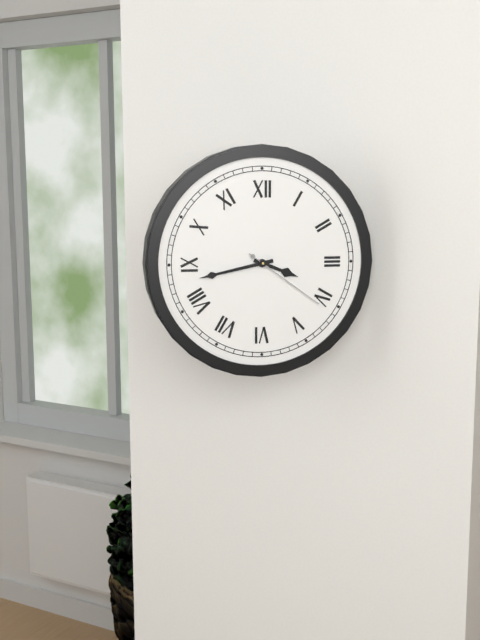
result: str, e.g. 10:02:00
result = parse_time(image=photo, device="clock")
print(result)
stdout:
3:43:21
